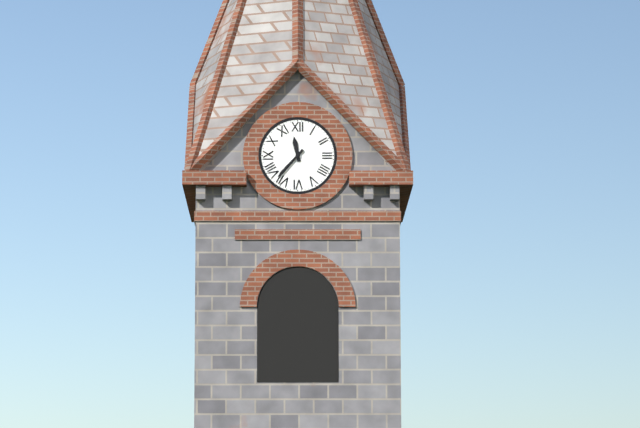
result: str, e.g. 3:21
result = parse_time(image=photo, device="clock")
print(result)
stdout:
11:37
